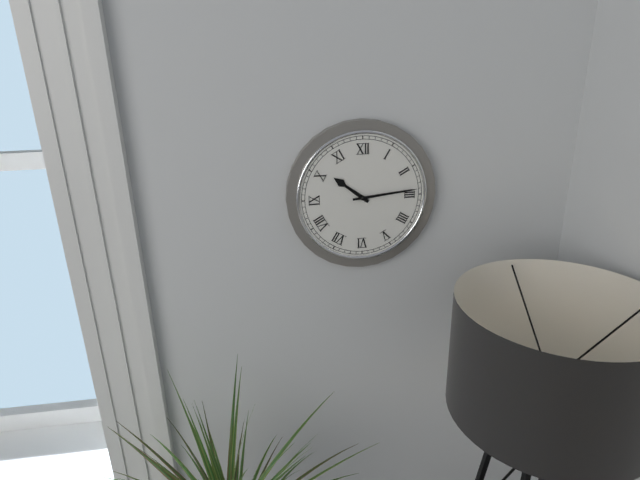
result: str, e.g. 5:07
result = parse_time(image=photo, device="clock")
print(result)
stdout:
10:14
